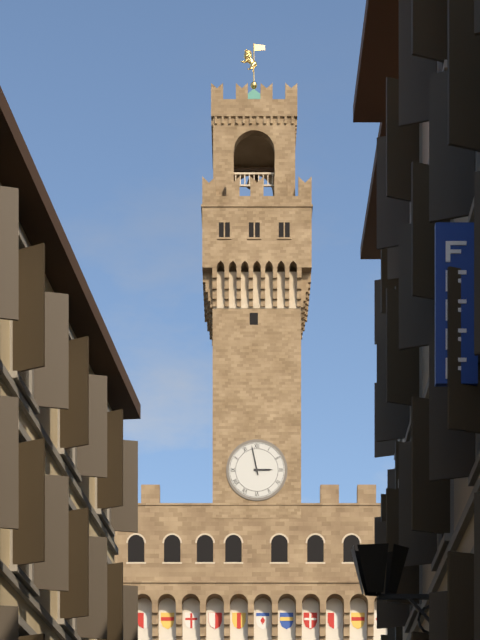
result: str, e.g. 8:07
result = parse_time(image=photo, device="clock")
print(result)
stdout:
2:58
